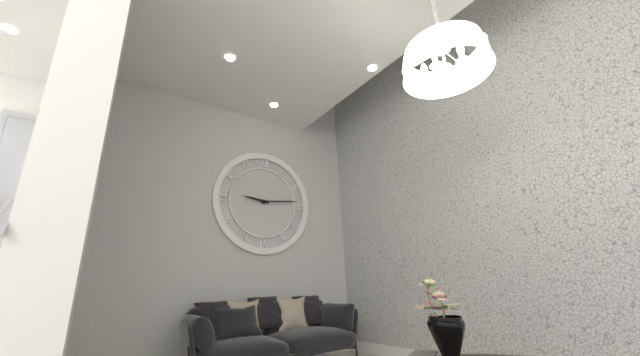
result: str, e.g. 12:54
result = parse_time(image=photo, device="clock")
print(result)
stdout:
9:14
